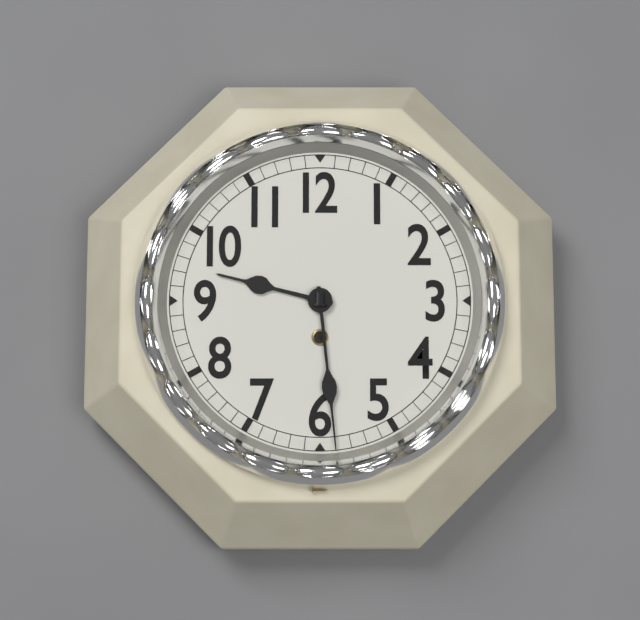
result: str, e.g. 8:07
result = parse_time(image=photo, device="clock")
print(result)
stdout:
9:29
